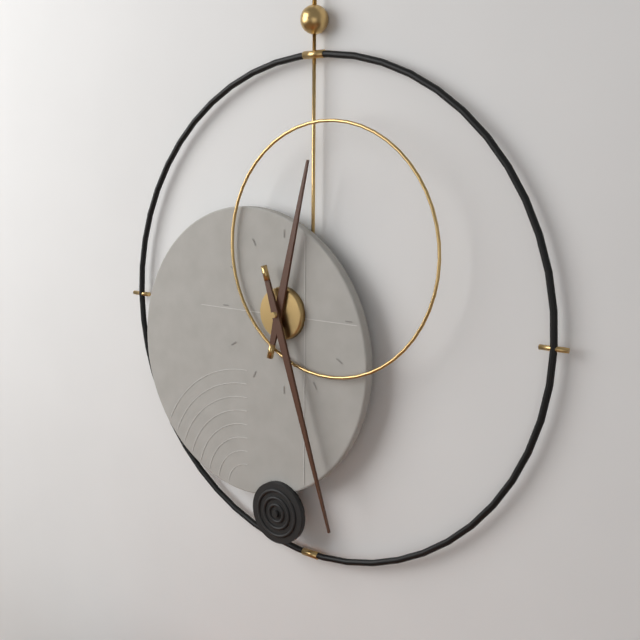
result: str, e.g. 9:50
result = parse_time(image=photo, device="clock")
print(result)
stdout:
12:27
